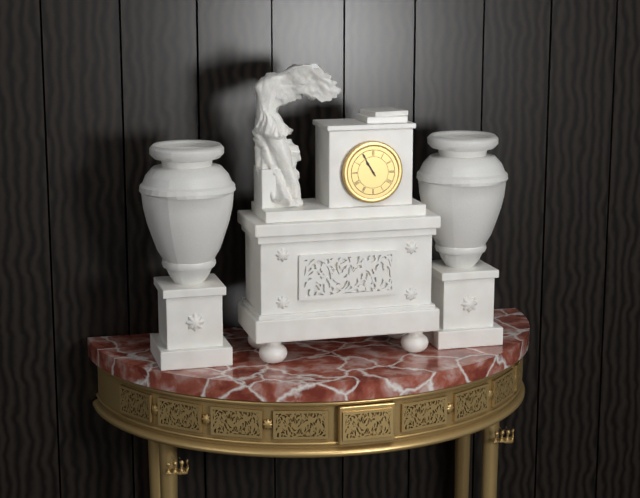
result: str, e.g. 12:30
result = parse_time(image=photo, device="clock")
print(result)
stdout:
10:55
